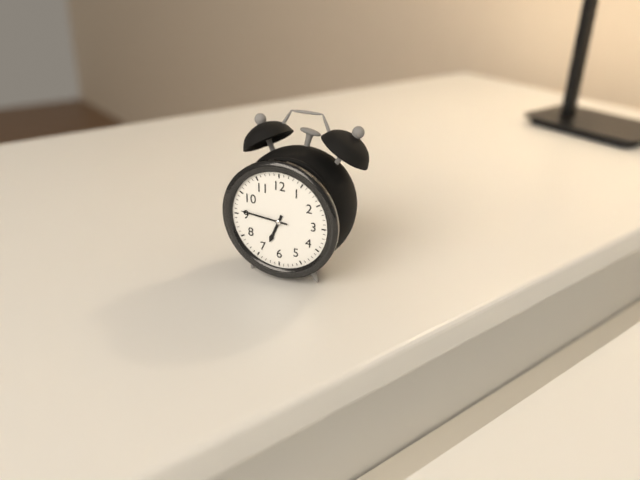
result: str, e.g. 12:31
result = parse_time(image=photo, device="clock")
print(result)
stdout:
6:46
